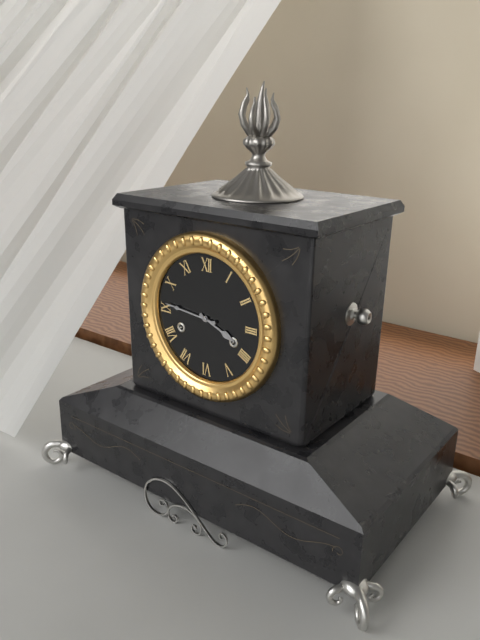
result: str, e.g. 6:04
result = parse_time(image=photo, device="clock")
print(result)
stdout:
3:46
